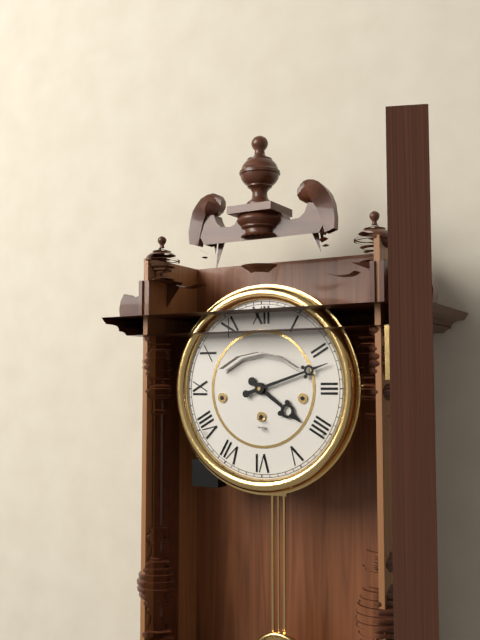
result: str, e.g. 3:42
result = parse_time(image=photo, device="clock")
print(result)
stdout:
4:12
